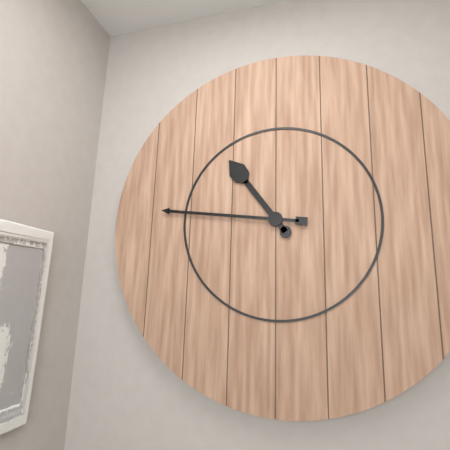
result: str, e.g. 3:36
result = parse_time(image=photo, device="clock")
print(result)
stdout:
10:46
